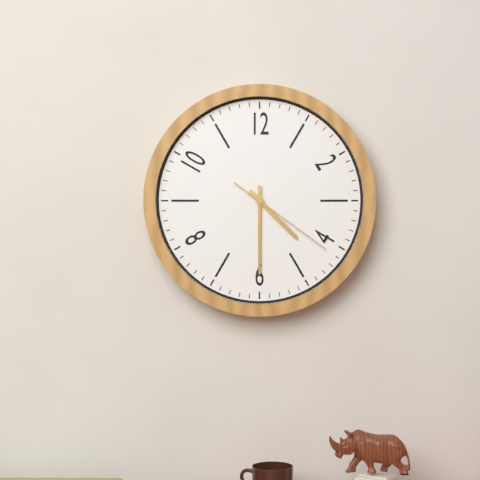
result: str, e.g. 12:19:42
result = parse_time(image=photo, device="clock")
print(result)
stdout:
4:30:21
